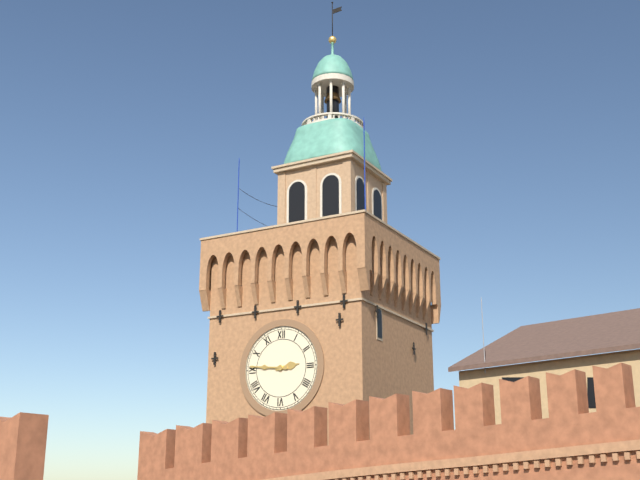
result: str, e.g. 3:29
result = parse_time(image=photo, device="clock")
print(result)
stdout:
2:46
